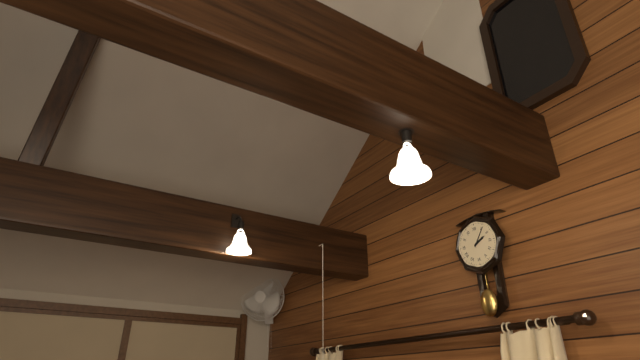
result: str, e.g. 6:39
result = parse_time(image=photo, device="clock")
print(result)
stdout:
2:06
